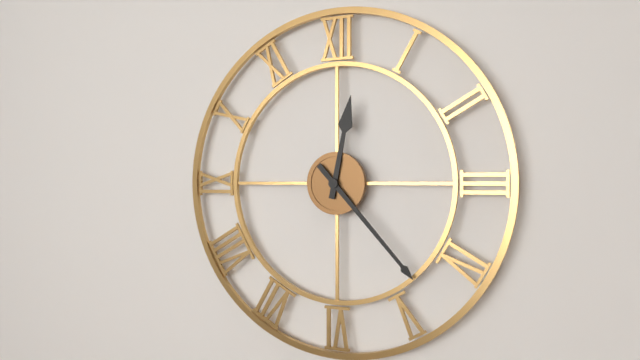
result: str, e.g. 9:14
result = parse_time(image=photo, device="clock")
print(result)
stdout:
12:23
